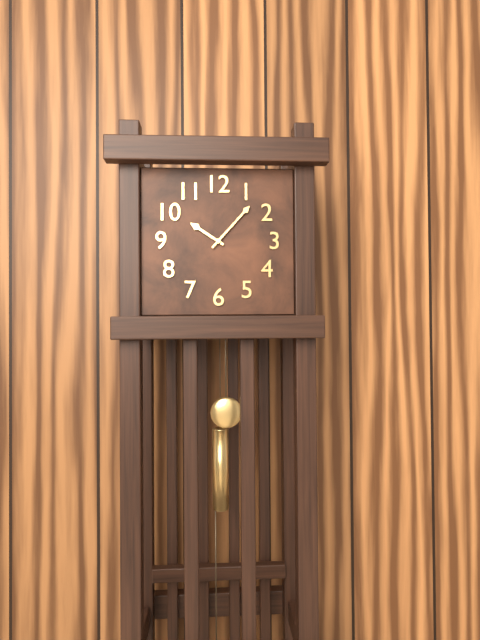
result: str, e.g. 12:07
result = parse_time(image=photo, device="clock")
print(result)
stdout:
10:07
